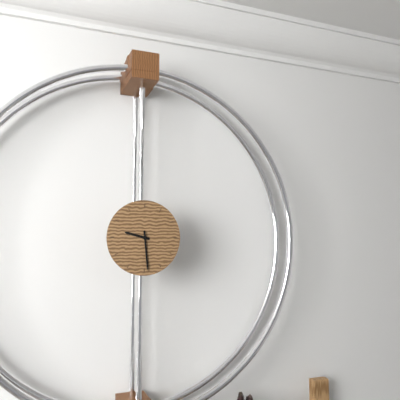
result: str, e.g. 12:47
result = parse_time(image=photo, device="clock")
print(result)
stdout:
9:29
